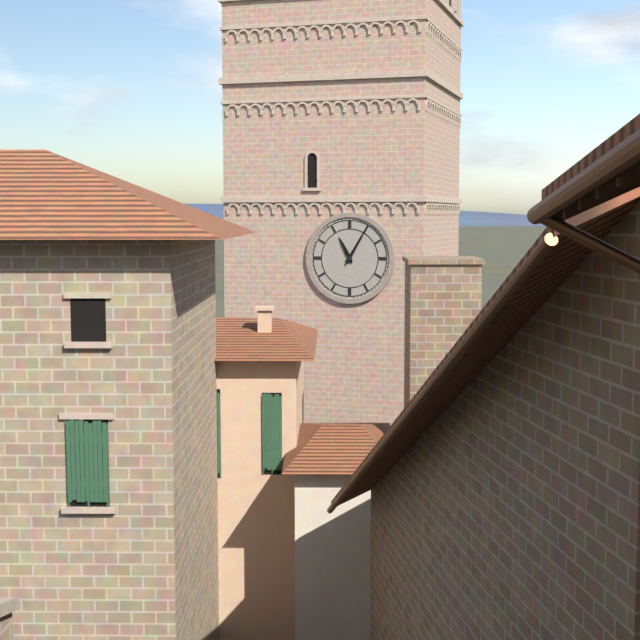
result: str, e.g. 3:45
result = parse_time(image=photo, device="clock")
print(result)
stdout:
11:05
